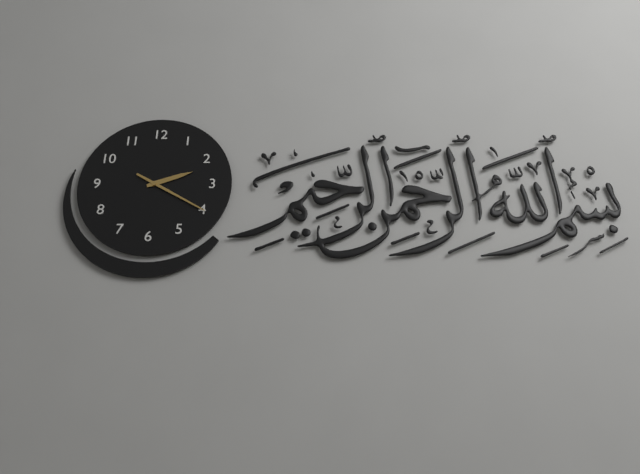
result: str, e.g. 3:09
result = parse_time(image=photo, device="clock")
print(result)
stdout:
2:20
